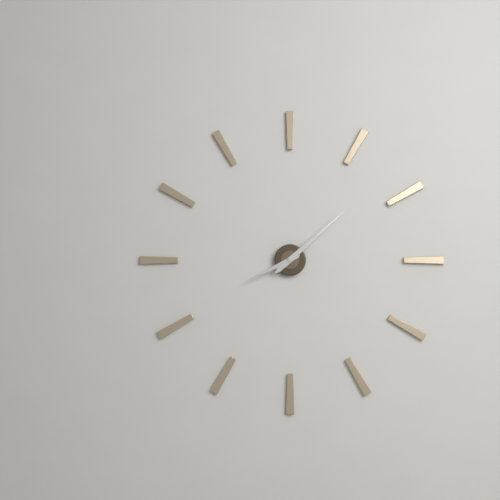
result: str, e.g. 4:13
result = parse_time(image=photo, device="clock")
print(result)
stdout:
8:08
